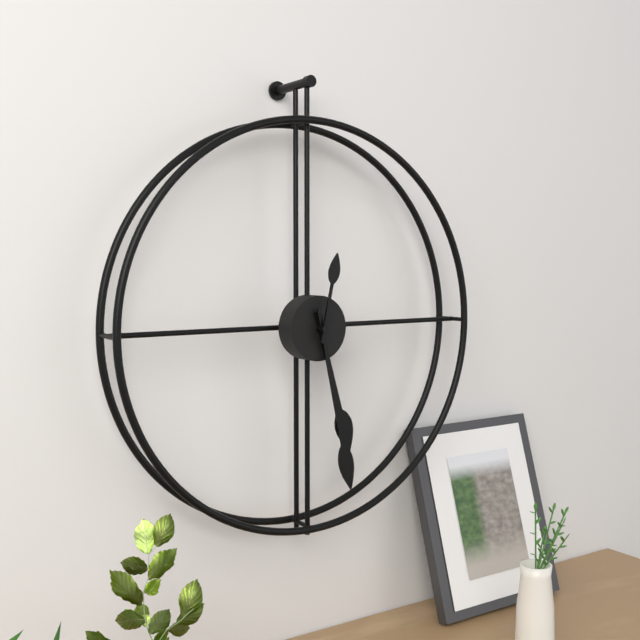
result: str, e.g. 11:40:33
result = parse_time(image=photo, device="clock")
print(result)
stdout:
5:28:02
